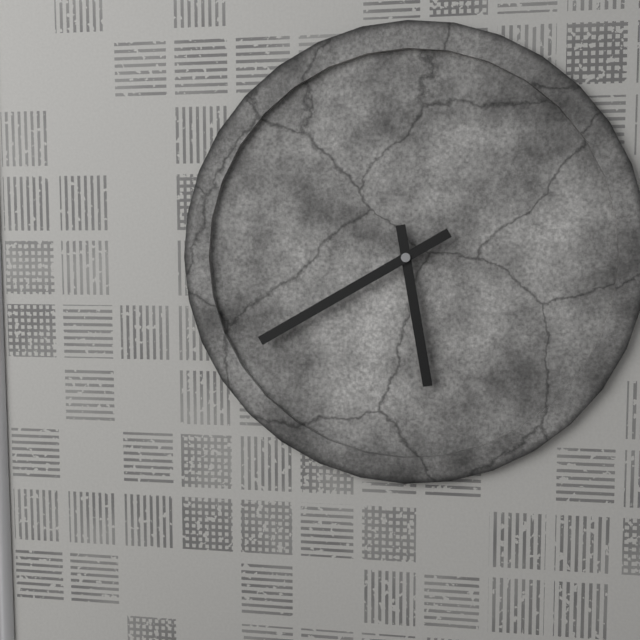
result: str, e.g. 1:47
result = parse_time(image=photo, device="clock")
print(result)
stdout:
5:40
